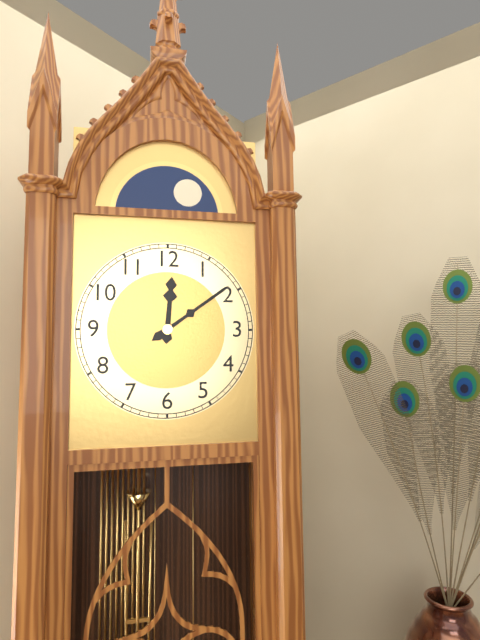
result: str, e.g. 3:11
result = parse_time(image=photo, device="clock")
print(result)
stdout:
12:09
